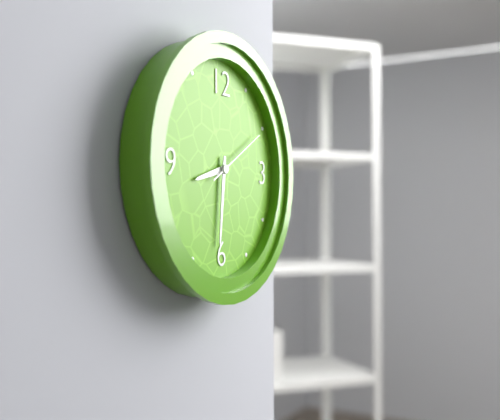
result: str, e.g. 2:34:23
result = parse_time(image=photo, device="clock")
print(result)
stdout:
8:31:10
